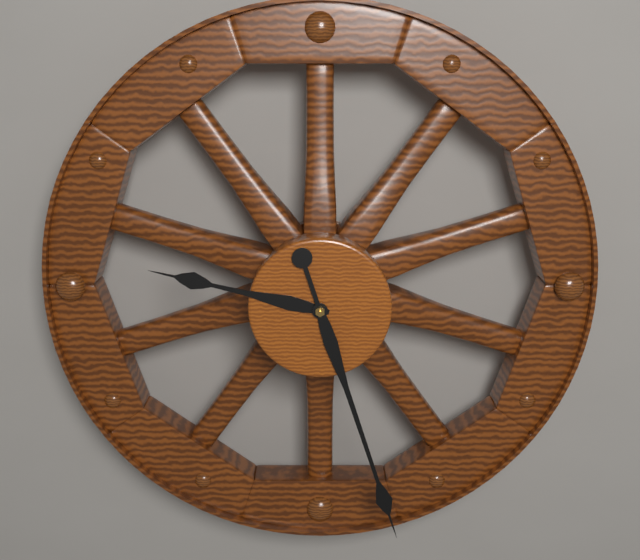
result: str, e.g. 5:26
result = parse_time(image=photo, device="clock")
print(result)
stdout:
9:27
